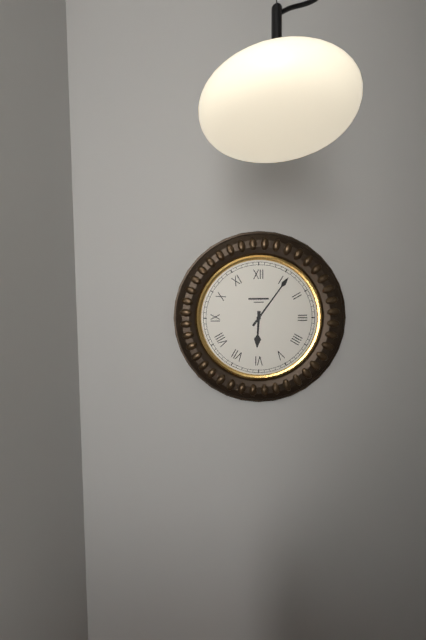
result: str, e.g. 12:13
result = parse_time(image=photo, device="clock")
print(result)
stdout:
6:06
